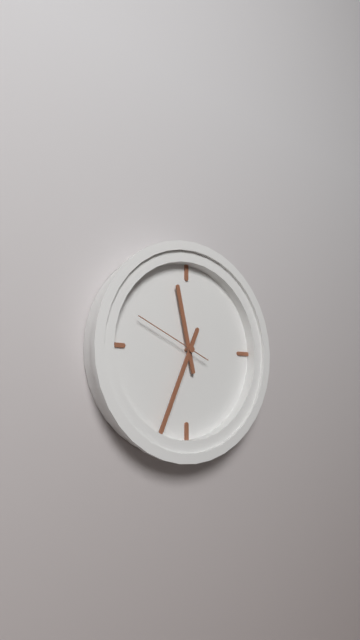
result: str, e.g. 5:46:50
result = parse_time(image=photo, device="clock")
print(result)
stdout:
11:34:49
